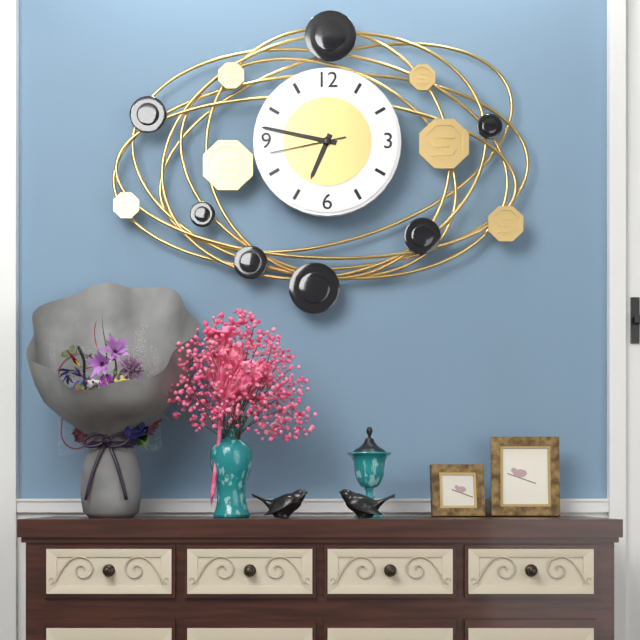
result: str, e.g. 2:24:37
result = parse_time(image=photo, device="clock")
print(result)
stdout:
6:47:43
